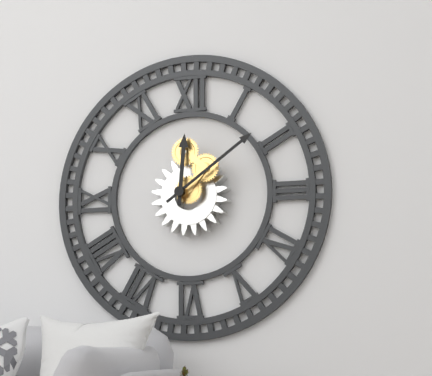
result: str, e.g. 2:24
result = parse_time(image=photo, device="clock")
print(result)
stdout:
12:09
